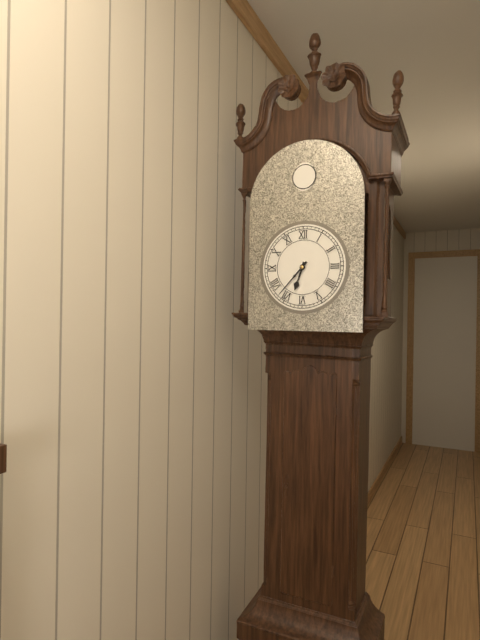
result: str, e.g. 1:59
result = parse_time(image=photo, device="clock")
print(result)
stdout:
6:37
